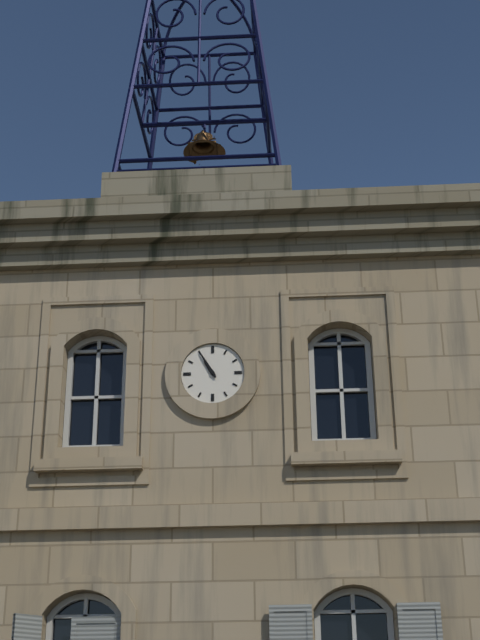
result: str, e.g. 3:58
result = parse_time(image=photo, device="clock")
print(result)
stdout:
10:55
